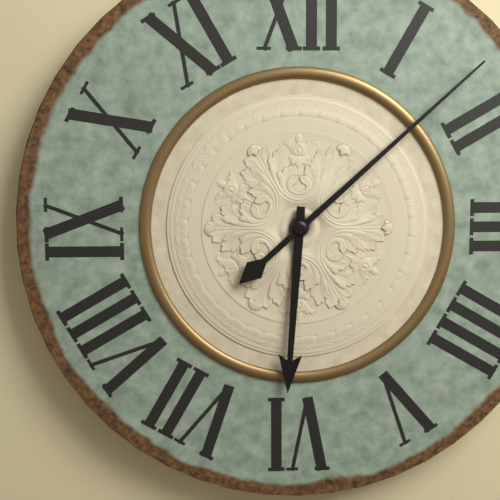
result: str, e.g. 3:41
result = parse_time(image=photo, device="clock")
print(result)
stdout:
6:08
